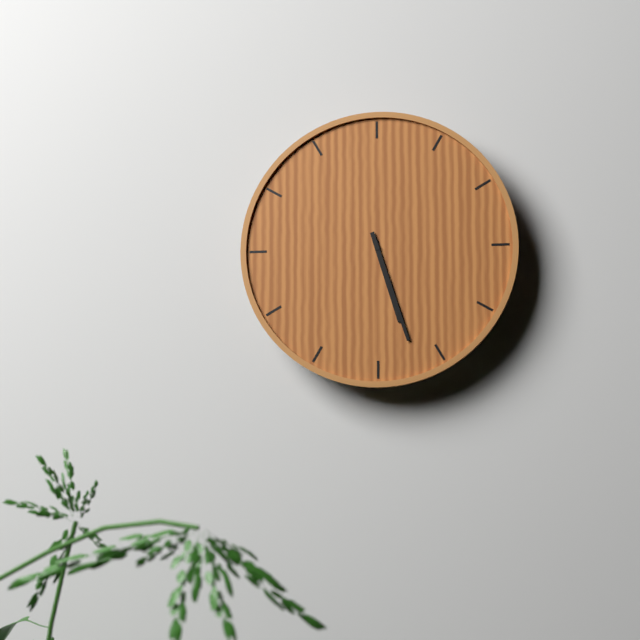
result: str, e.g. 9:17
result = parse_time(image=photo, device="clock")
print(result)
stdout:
5:27
